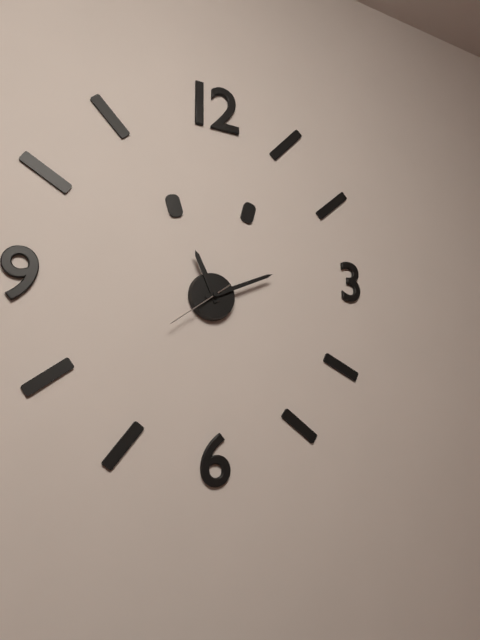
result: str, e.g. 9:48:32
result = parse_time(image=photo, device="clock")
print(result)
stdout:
11:11:39
